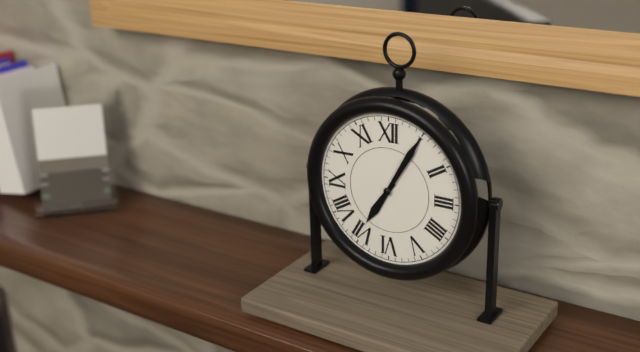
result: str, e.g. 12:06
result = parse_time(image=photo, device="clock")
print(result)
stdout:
7:05
